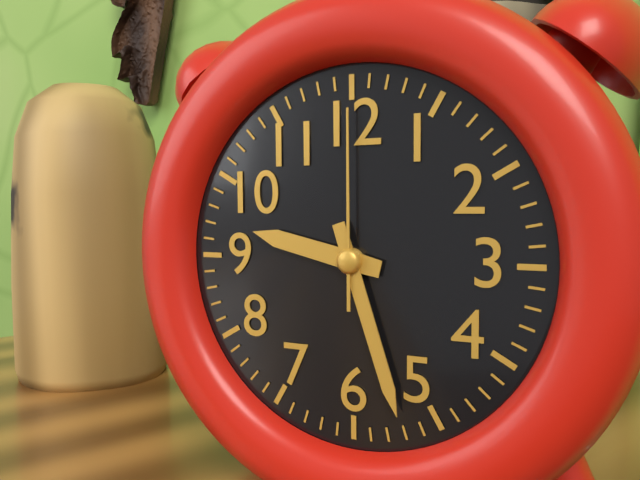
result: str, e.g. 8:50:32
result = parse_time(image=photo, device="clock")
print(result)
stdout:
9:27:00
